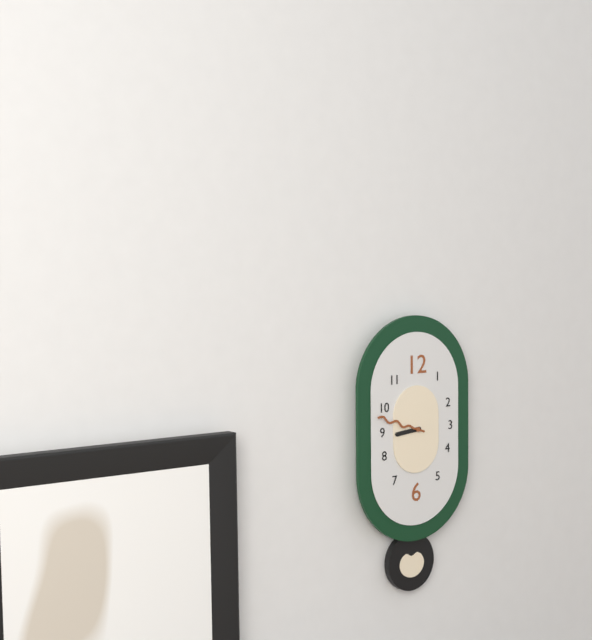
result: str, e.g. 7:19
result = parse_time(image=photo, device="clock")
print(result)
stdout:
8:48
